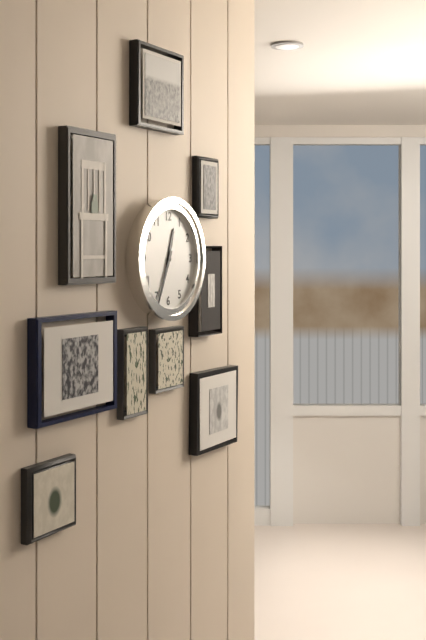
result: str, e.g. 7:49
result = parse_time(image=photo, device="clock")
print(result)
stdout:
12:34
